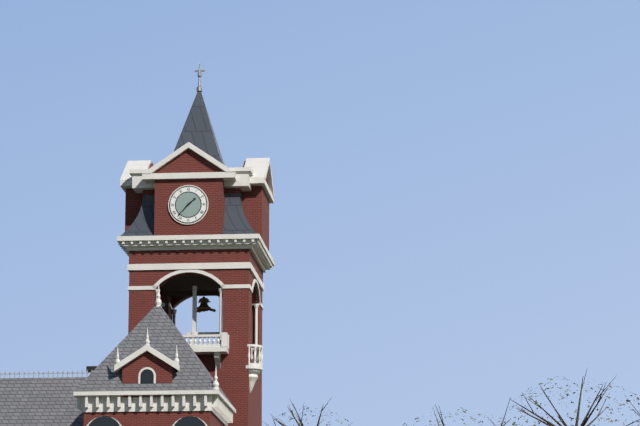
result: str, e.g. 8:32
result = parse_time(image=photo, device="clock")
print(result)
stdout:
1:37
